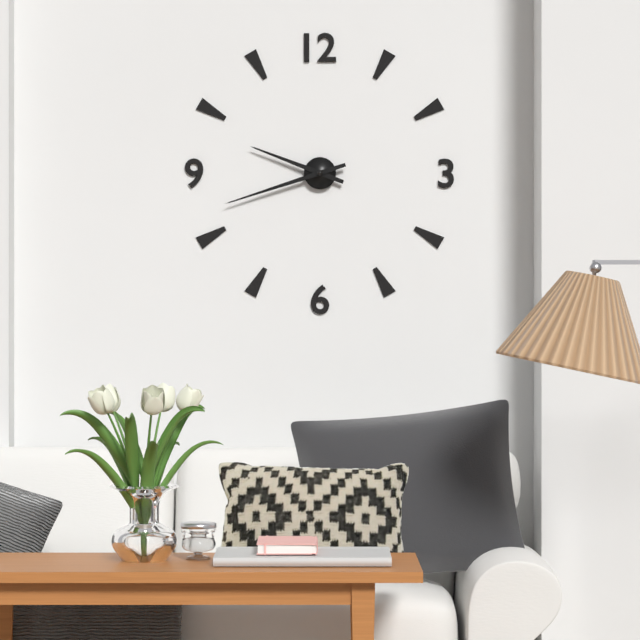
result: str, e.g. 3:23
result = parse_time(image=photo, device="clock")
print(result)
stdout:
9:42
